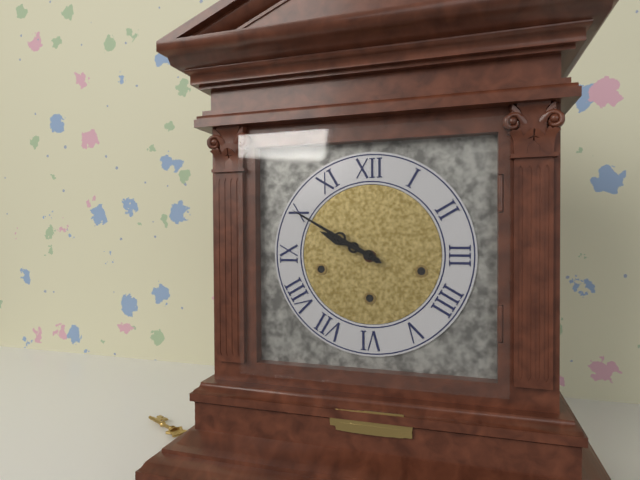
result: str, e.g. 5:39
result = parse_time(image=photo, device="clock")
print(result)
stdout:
9:50
